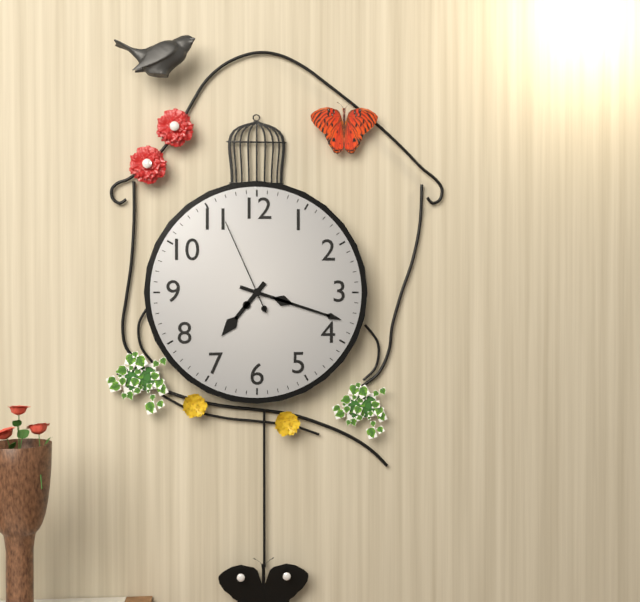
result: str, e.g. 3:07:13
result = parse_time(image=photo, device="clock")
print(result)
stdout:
7:18:56
